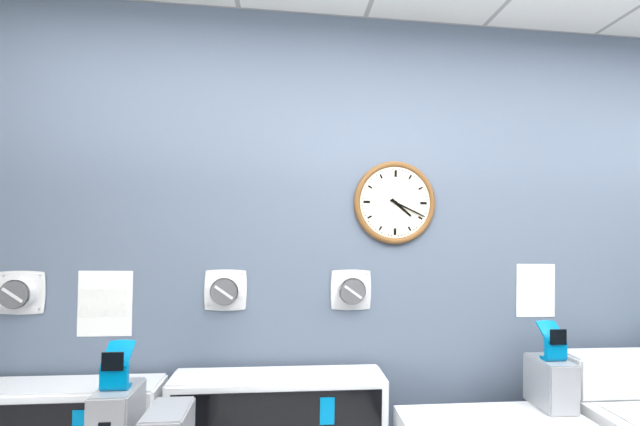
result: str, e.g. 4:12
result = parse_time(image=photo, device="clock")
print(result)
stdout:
4:19
